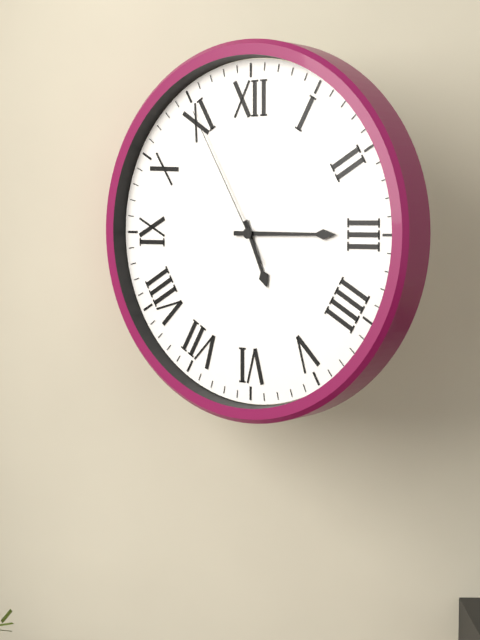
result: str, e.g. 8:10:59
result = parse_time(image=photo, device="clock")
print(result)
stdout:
5:15:55
